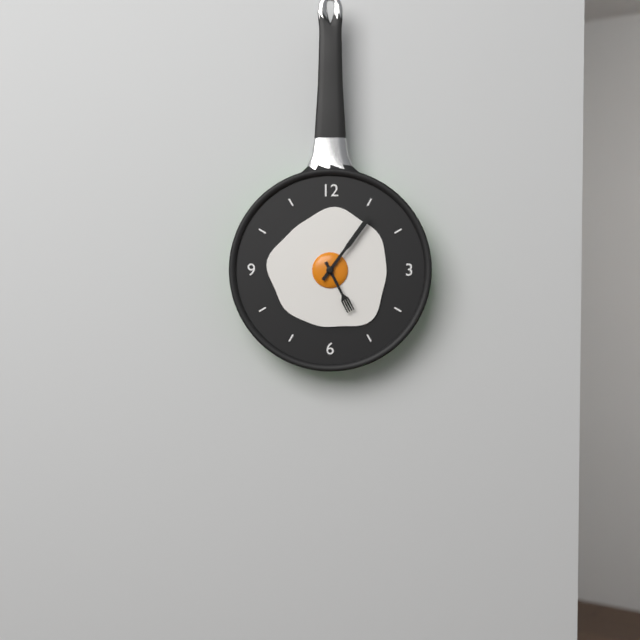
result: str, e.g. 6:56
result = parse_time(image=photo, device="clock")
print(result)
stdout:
5:06
